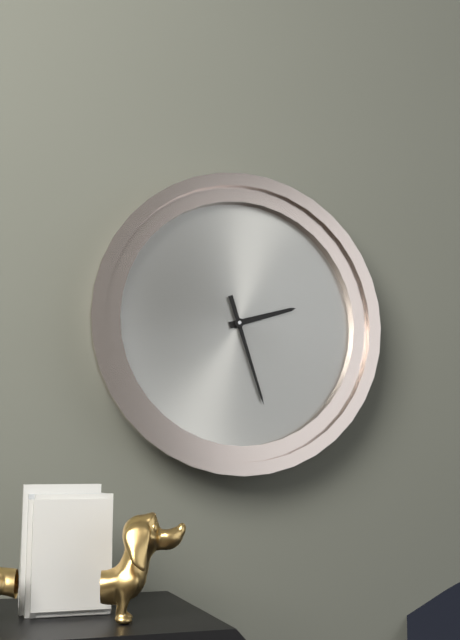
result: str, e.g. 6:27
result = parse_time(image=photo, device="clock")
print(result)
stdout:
2:27
